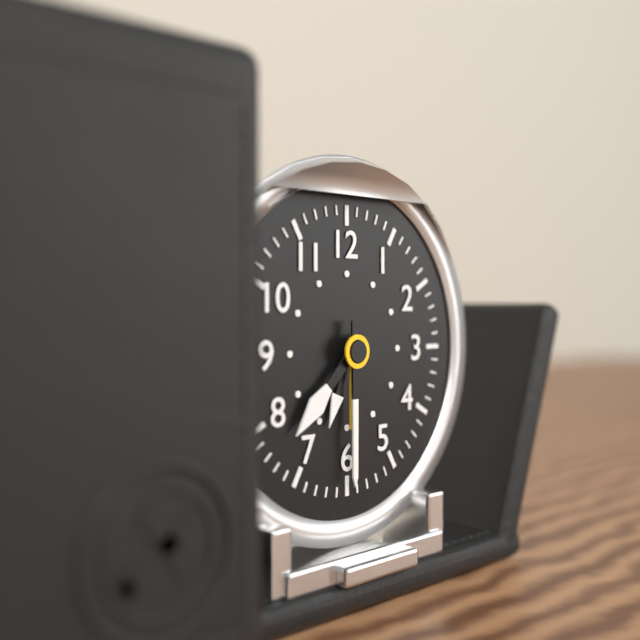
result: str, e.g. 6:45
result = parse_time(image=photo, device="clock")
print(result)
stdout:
7:30
